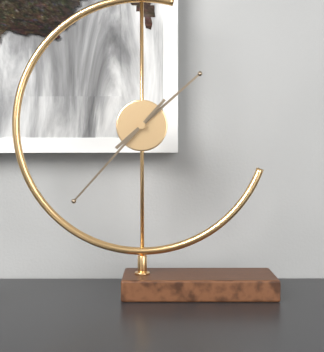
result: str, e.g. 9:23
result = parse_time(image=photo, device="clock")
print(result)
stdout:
1:37
